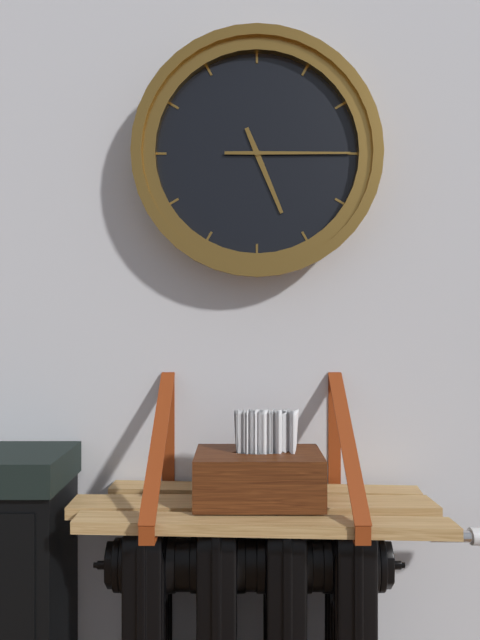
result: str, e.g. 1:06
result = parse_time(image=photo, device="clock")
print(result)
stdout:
5:15
